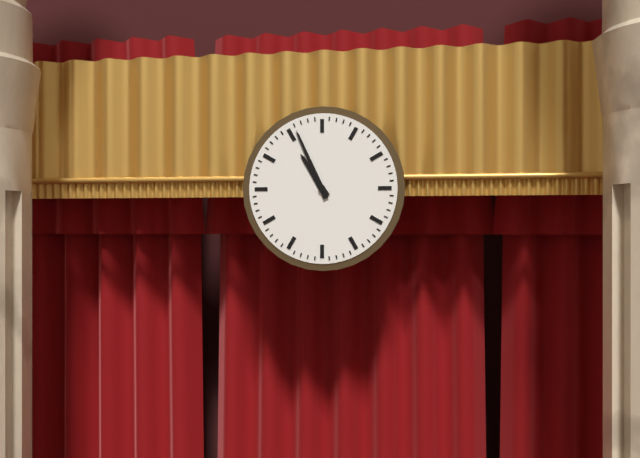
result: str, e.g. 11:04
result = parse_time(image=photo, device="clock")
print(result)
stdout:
10:56
